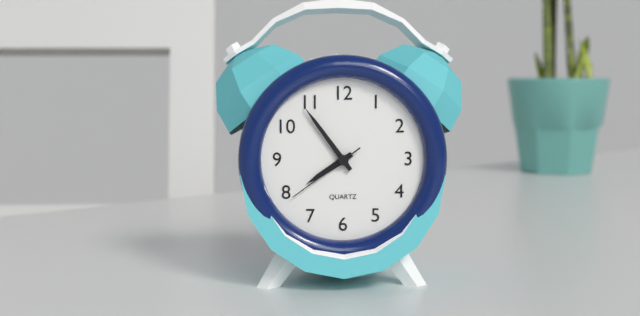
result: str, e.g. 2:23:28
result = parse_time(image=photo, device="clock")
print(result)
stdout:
7:54:39
